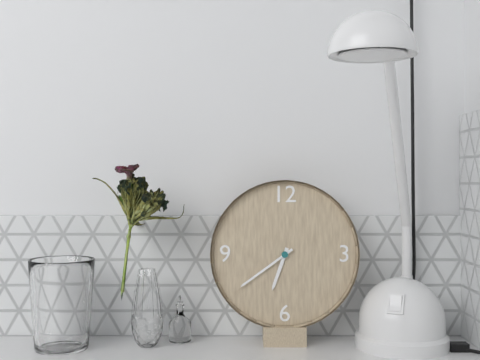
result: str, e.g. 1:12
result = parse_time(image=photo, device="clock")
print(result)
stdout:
6:39
